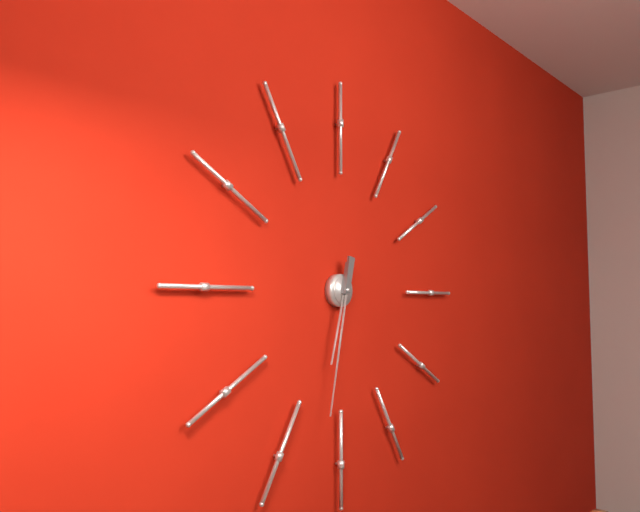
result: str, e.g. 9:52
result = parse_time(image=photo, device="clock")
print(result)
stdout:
6:32
